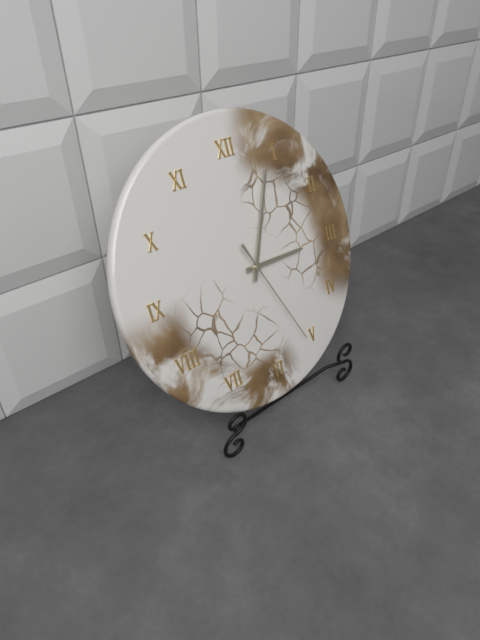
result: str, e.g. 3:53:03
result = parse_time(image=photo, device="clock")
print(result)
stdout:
3:04:26
